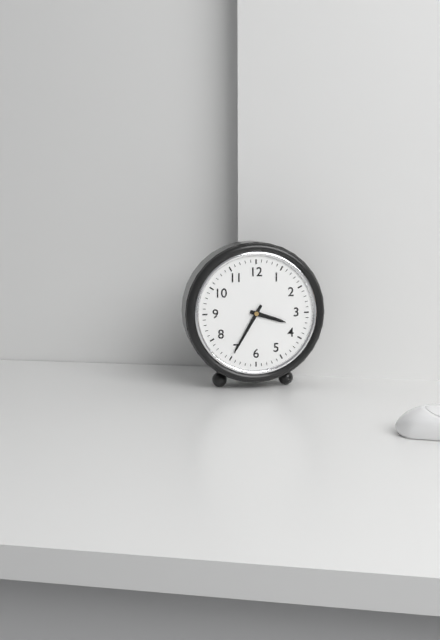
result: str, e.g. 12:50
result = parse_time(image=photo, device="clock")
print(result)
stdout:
3:35
